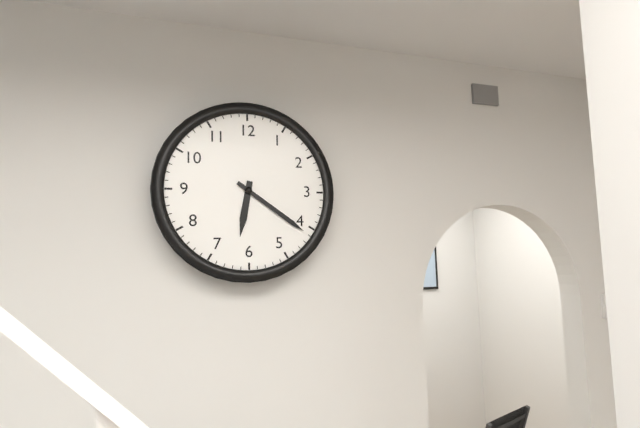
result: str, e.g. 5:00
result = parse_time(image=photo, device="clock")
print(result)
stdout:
6:21
